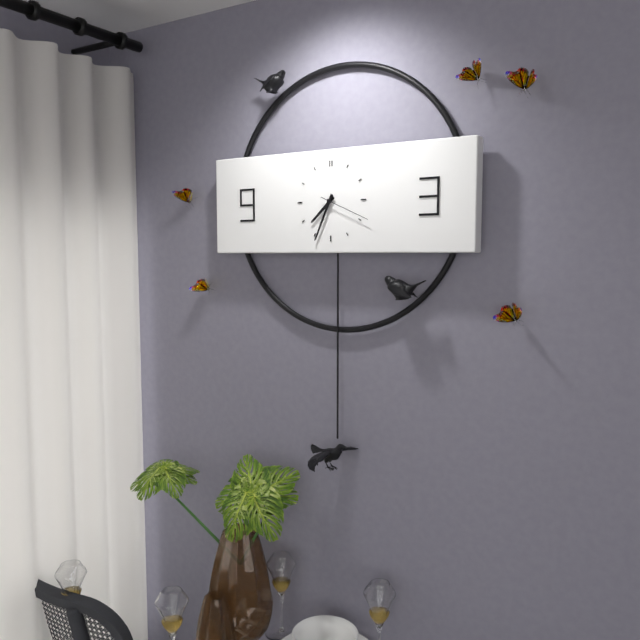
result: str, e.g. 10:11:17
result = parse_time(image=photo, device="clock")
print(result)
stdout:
7:34:19
